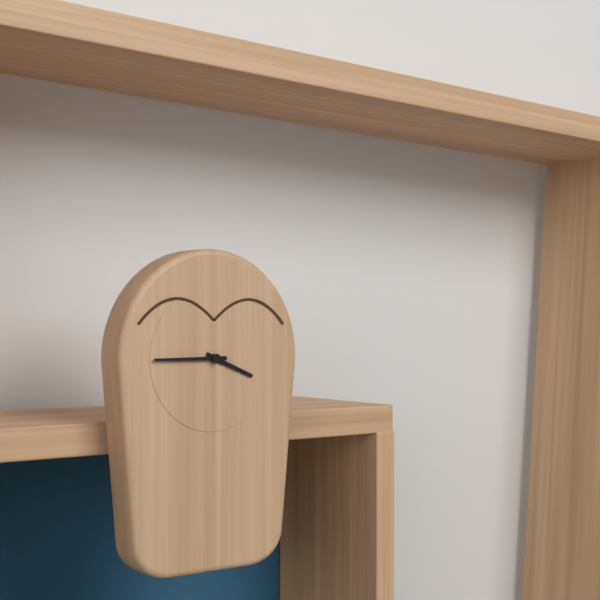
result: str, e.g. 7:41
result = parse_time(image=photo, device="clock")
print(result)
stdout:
3:45
